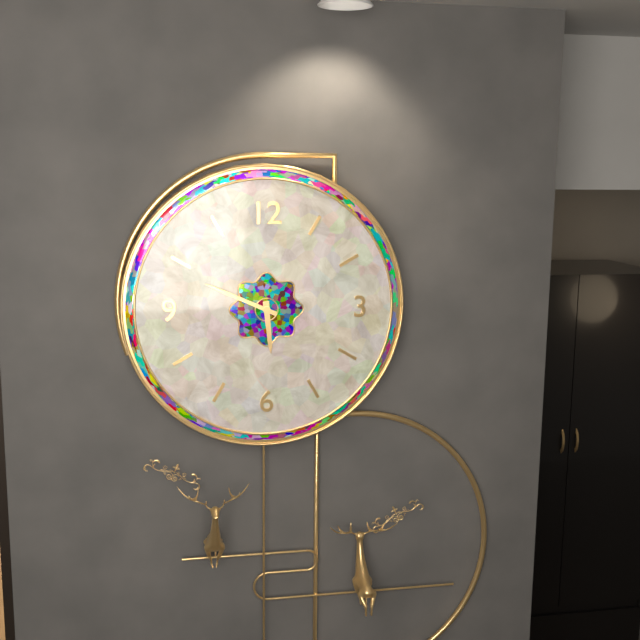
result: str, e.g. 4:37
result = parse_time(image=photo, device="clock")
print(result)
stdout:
5:49
